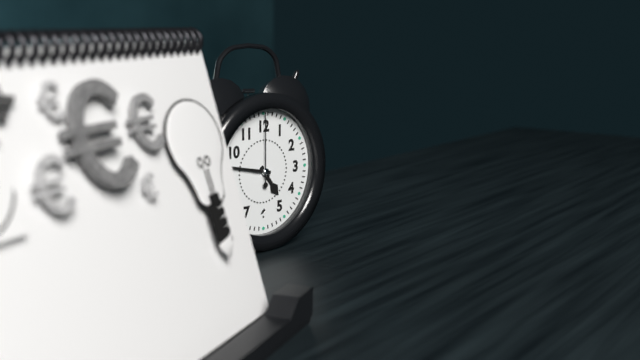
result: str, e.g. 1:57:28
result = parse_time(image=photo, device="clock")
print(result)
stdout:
4:47:00
